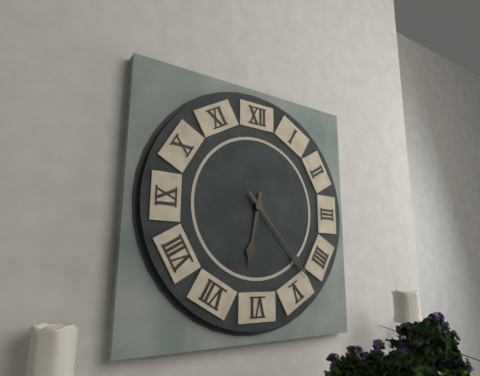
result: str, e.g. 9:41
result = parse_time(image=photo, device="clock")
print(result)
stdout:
6:23
